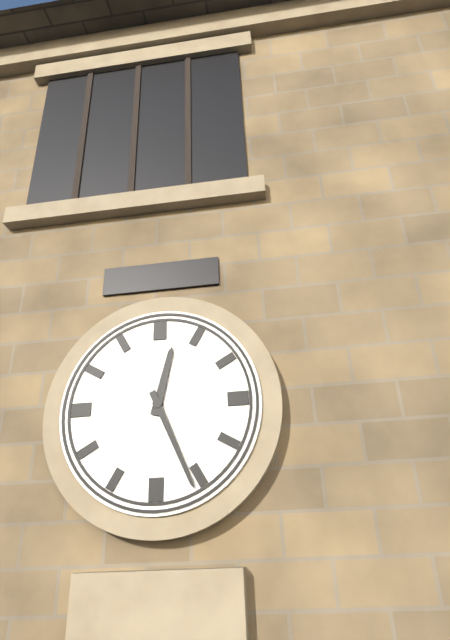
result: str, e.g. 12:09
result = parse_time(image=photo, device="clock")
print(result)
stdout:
12:26
